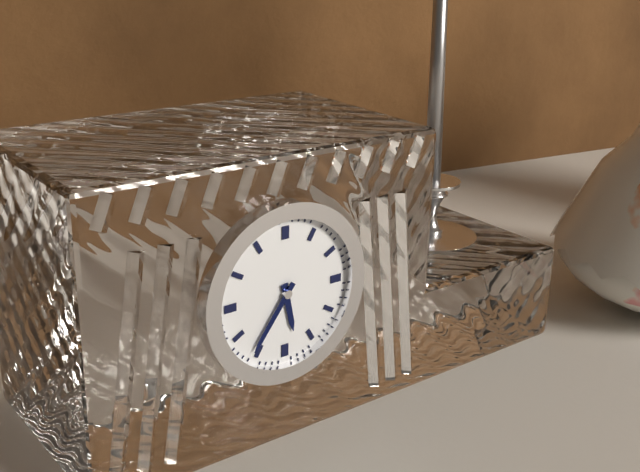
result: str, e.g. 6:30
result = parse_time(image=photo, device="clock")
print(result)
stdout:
5:36
